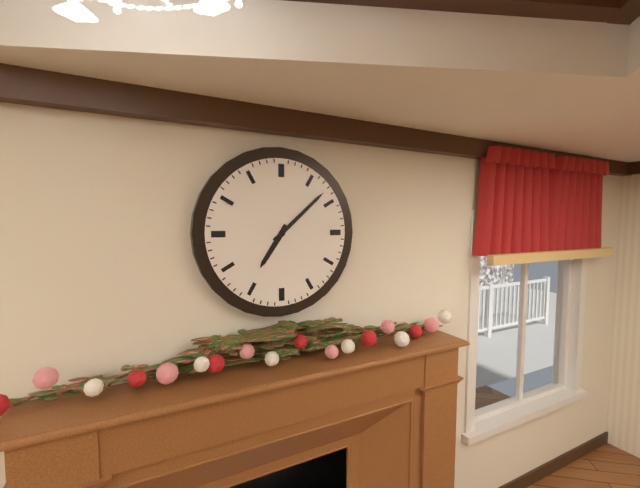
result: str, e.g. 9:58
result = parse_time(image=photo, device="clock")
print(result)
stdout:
7:08
